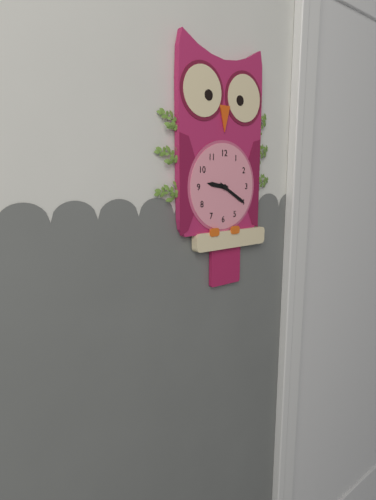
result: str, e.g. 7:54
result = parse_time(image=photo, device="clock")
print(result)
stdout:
9:20
